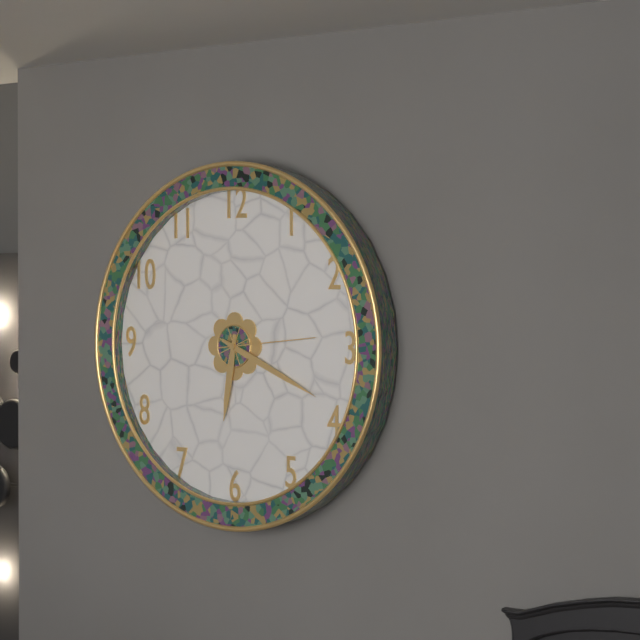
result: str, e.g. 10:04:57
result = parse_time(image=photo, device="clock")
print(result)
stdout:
6:19:14
